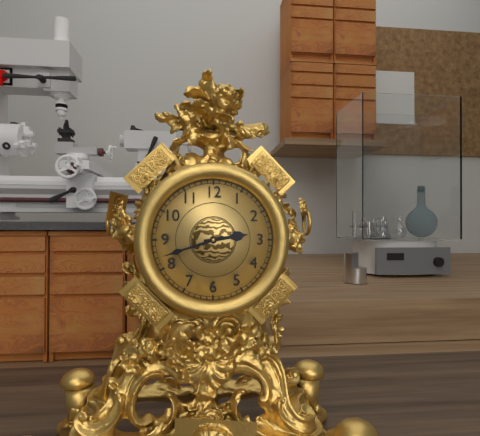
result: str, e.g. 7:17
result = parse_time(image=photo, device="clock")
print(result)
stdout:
2:42
